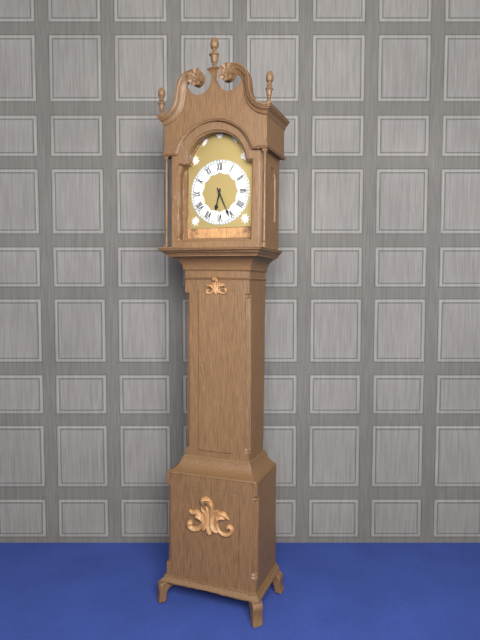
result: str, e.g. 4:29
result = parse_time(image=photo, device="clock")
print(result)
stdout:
6:26
